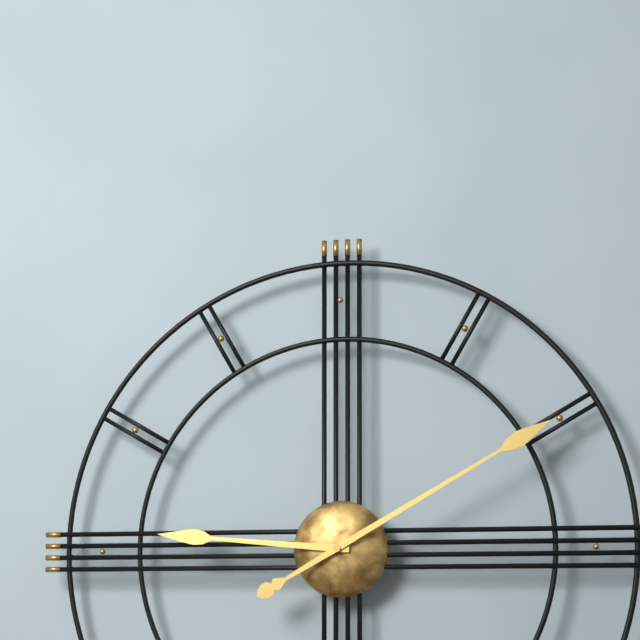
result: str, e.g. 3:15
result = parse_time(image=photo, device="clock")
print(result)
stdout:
9:10
